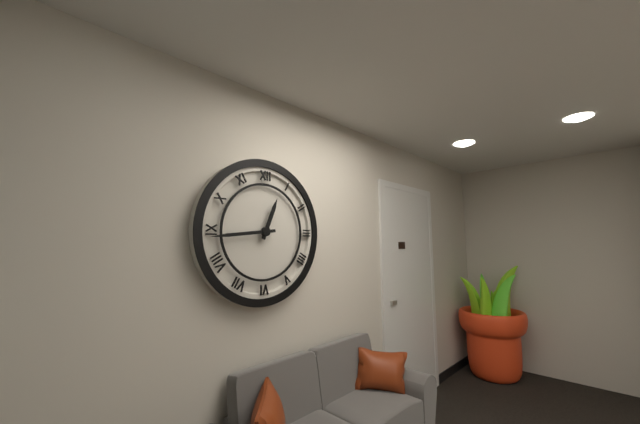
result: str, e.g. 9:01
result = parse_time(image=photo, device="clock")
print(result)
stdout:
12:44
